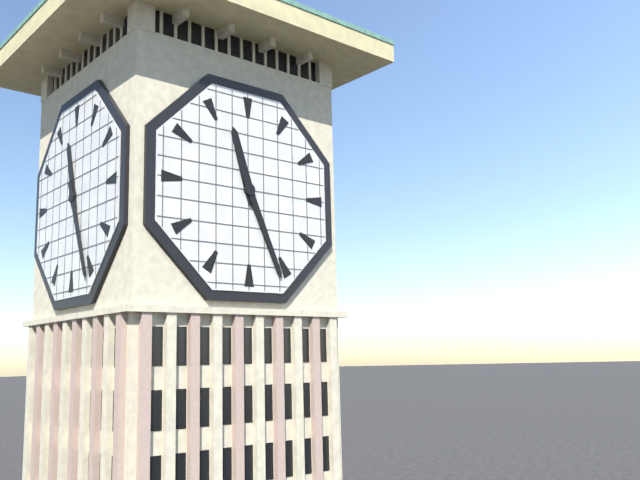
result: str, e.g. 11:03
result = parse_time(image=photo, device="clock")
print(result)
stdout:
11:26
